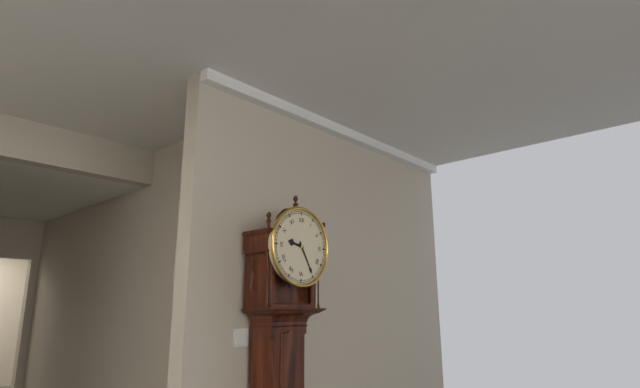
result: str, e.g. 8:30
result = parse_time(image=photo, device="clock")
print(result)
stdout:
9:25
